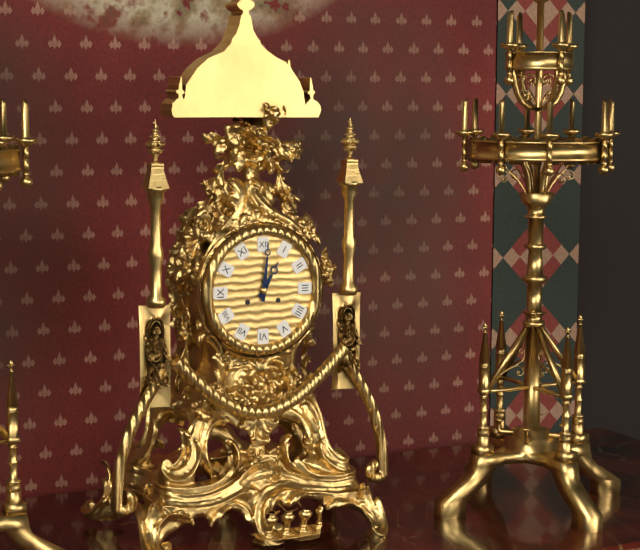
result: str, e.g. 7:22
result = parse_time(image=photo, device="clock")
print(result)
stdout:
1:01
